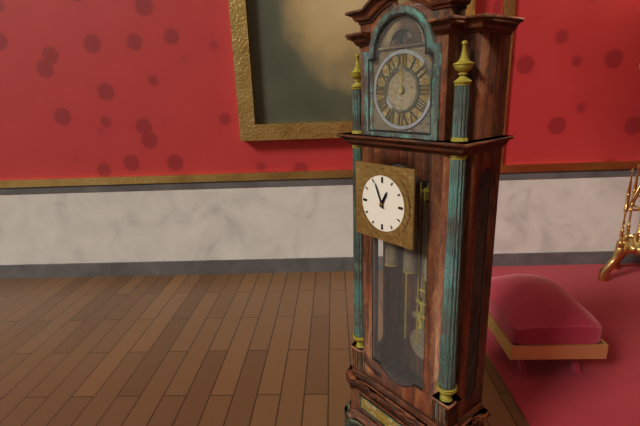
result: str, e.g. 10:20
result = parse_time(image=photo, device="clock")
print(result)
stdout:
12:56
